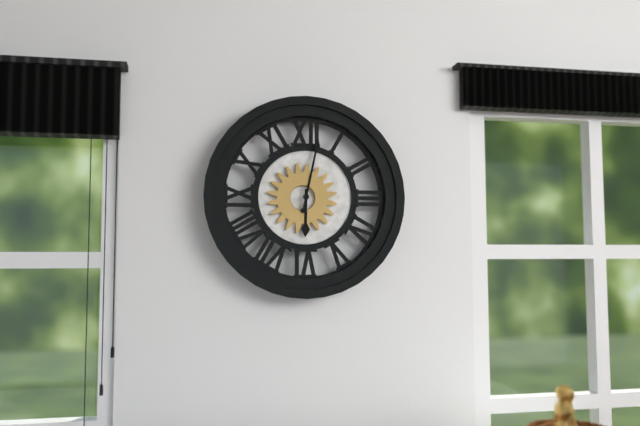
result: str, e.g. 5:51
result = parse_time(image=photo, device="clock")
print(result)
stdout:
6:02
